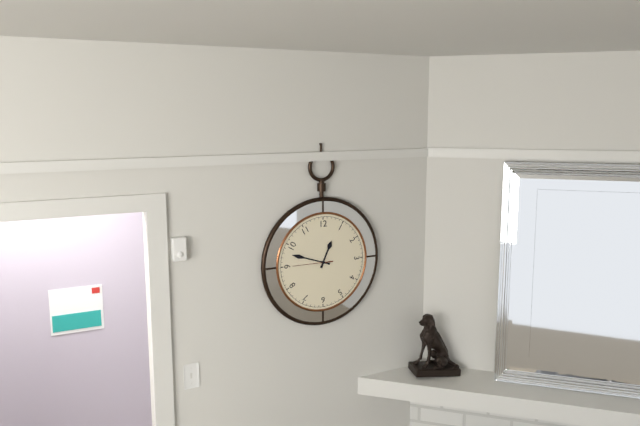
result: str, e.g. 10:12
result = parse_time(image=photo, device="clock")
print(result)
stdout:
12:48
